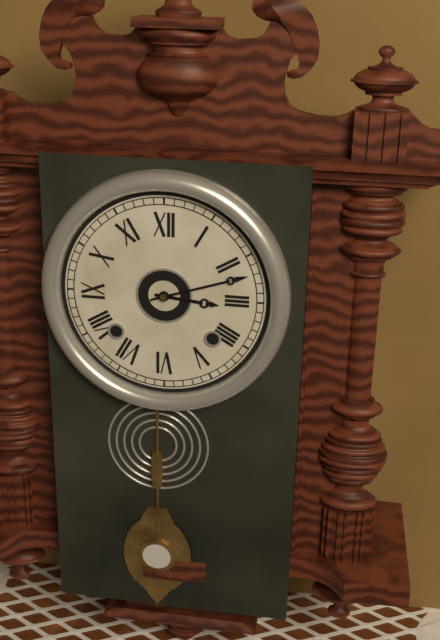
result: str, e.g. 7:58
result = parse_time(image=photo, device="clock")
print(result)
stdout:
3:12
